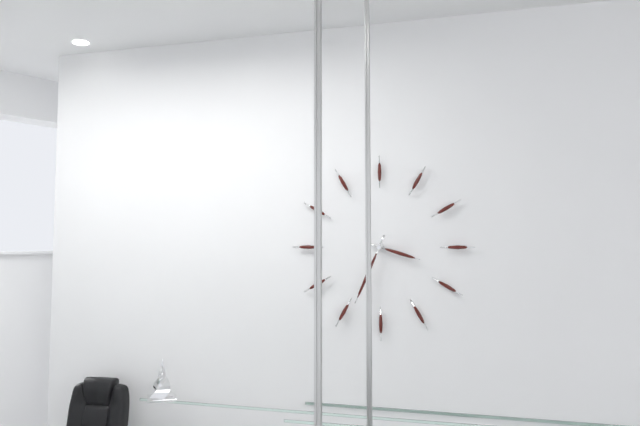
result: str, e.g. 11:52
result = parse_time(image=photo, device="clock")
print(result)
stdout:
3:34
